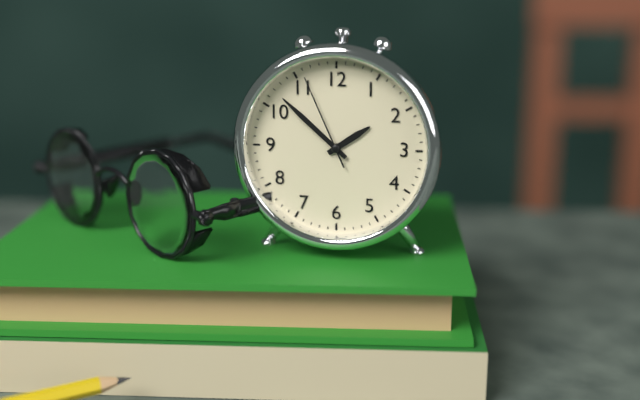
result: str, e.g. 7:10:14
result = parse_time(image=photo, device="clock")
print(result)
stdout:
1:52:56
